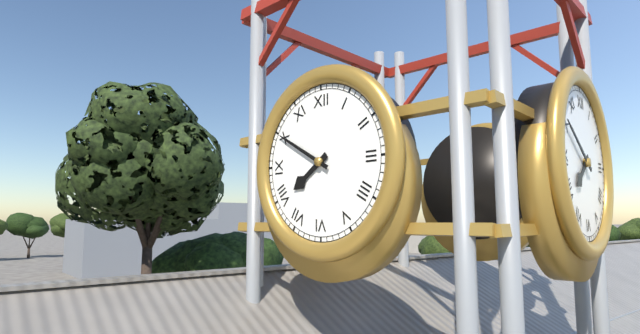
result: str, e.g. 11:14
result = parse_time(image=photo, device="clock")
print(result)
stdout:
7:50
